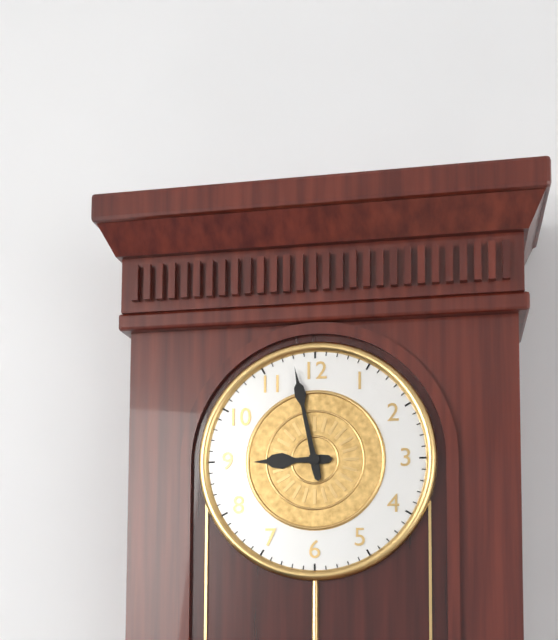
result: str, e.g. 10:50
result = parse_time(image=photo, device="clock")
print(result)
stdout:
8:58
